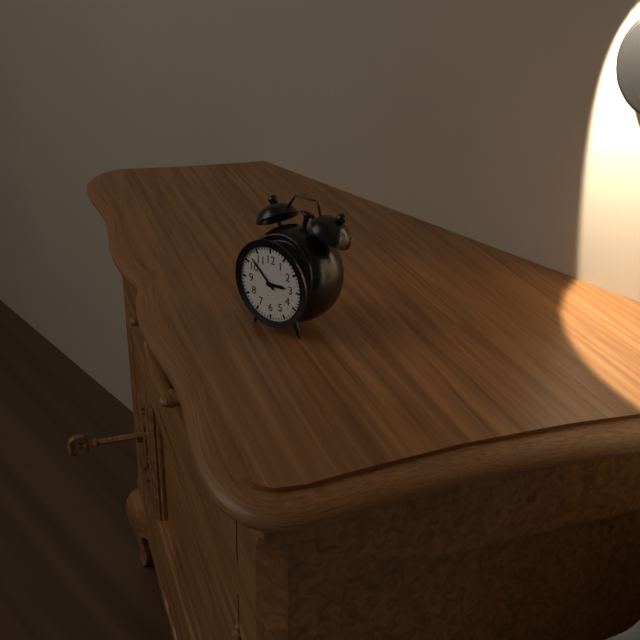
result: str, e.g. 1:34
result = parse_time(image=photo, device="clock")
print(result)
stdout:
2:52
